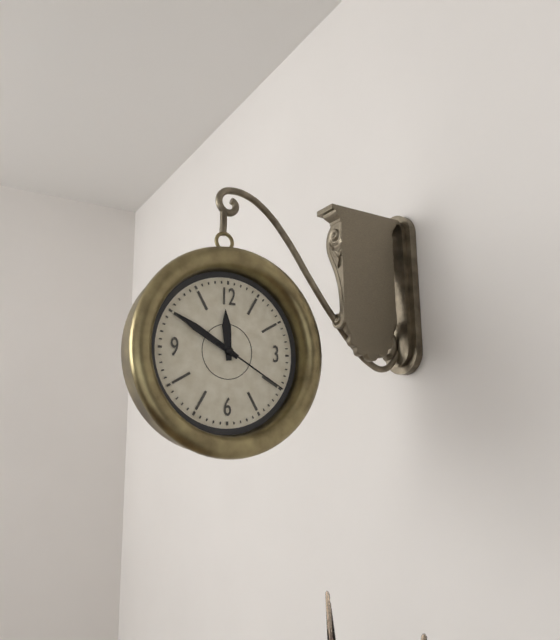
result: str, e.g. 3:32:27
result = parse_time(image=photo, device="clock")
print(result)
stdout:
11:50:20
